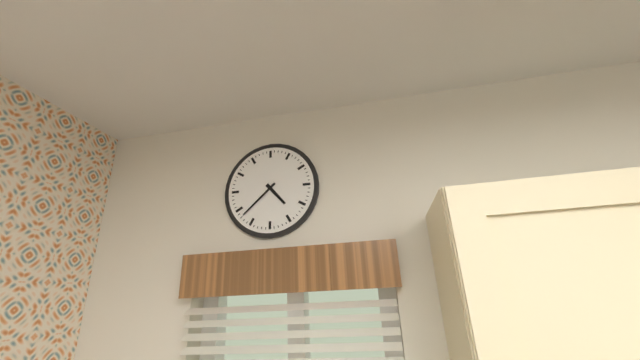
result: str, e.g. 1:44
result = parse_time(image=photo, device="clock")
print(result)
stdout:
4:38
